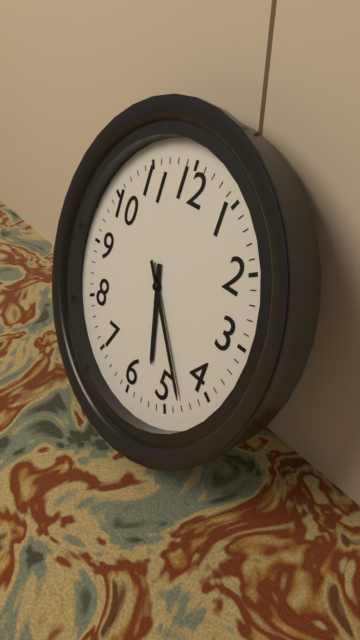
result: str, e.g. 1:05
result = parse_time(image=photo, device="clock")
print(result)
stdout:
5:23
